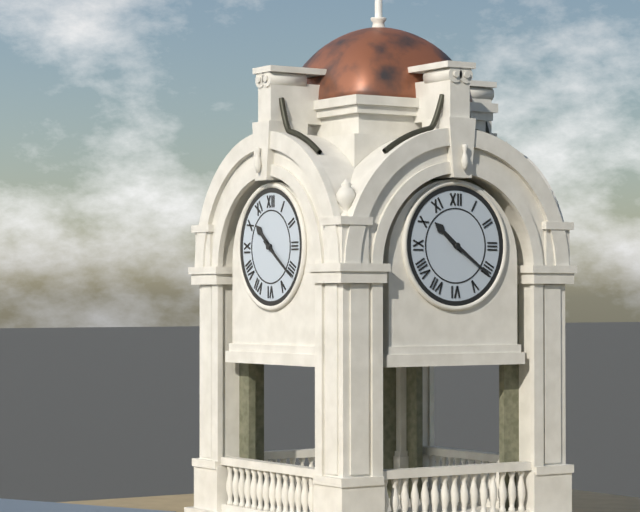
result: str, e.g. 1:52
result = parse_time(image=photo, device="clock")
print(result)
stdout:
10:21
